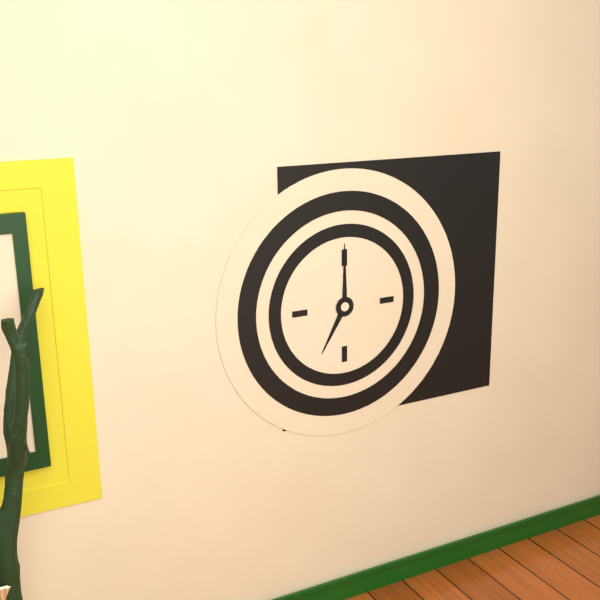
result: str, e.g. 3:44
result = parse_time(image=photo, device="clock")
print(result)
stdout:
7:00
